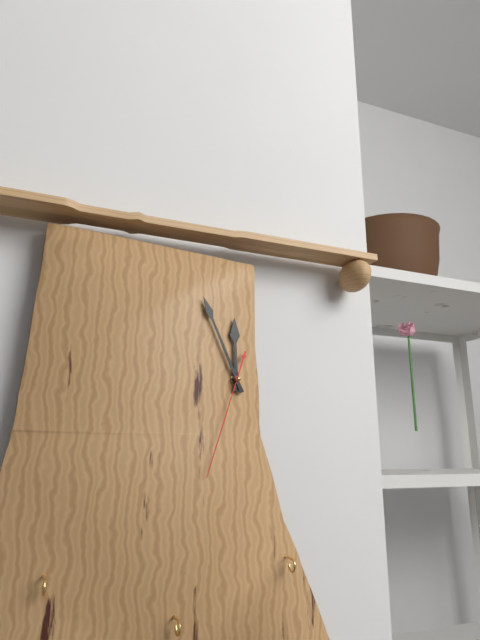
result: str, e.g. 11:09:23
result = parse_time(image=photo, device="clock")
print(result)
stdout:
11:56:33
